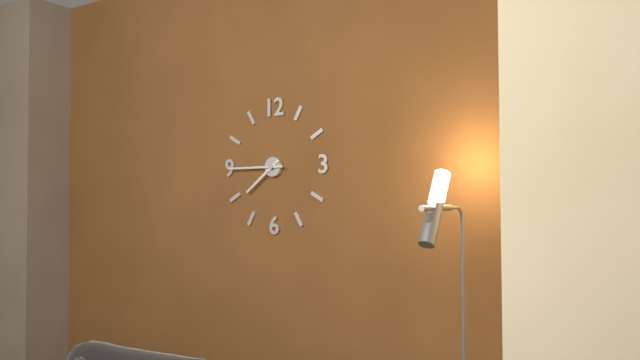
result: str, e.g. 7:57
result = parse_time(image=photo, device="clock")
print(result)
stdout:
7:45
